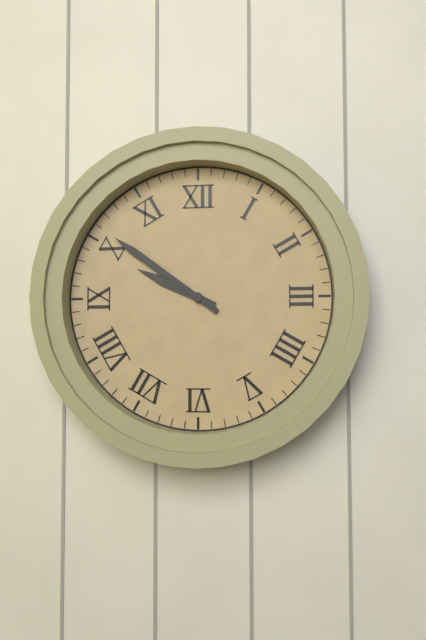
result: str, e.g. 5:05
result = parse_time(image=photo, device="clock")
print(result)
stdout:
9:51
